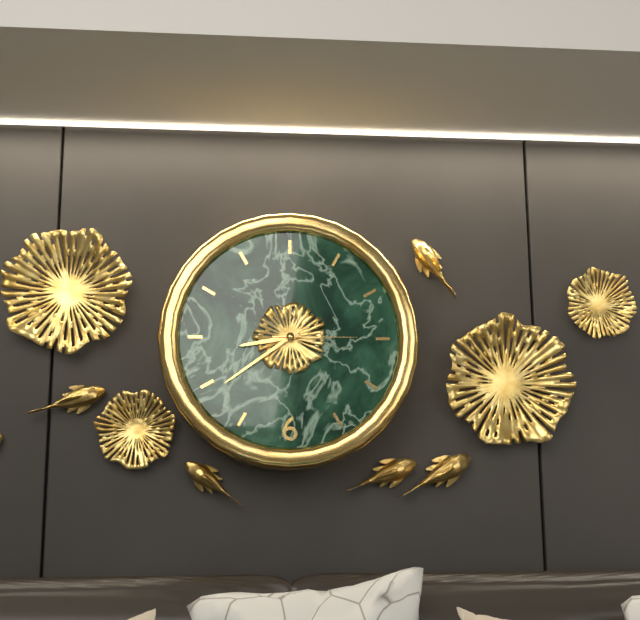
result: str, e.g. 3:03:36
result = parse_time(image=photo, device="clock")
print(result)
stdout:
8:39:15
